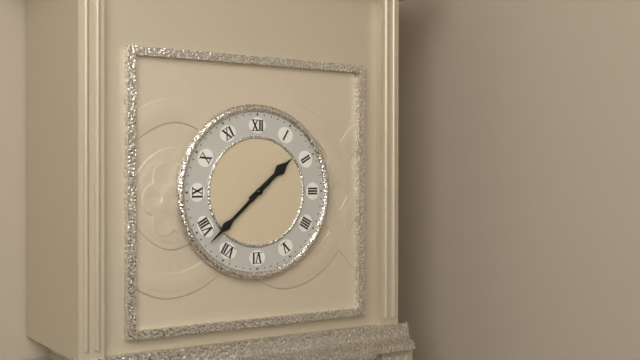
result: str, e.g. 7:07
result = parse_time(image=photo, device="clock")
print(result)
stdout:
1:38
